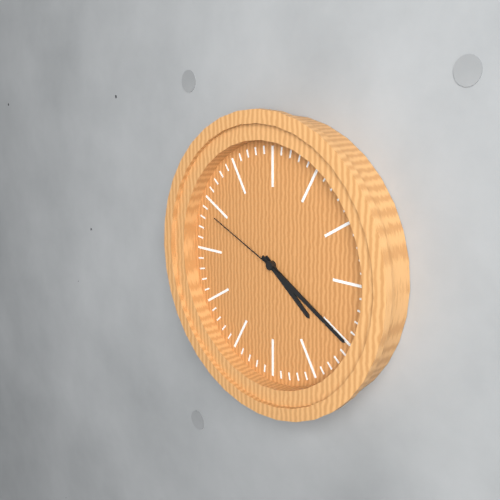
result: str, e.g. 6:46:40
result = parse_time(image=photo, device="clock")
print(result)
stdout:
4:20:49
